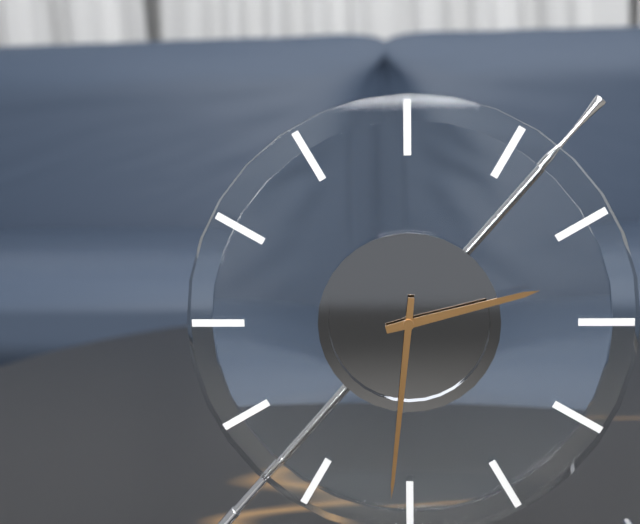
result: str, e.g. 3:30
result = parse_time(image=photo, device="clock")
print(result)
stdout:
2:31
